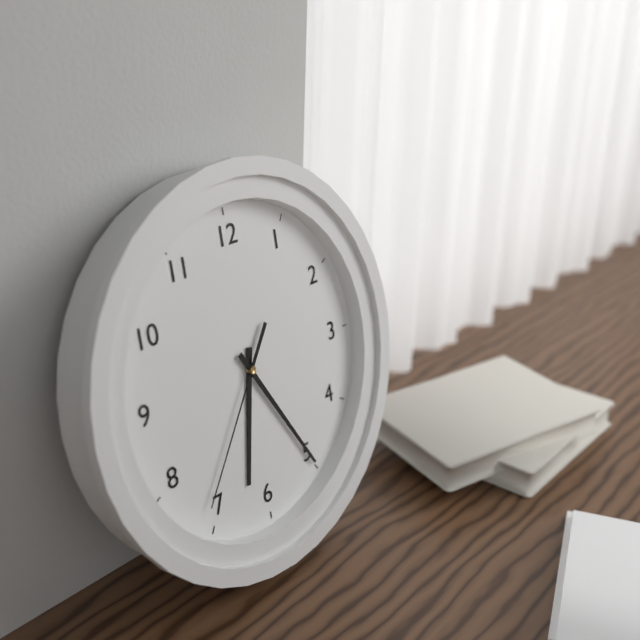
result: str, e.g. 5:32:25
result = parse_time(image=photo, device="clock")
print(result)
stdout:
6:25:36
